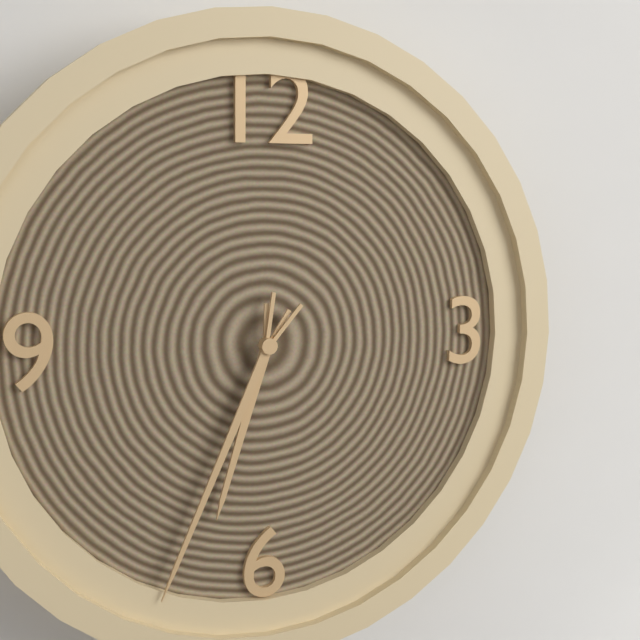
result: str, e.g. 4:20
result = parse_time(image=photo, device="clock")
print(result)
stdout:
6:34
